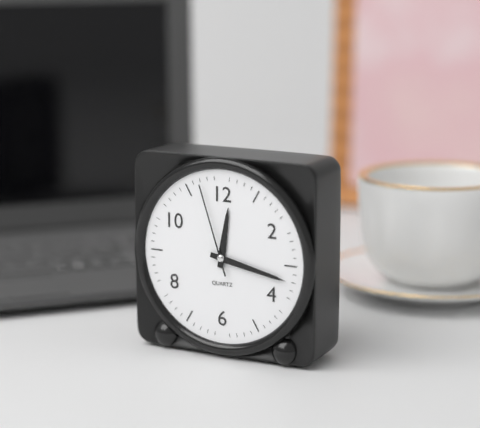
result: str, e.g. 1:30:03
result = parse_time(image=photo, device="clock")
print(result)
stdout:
12:17:57
